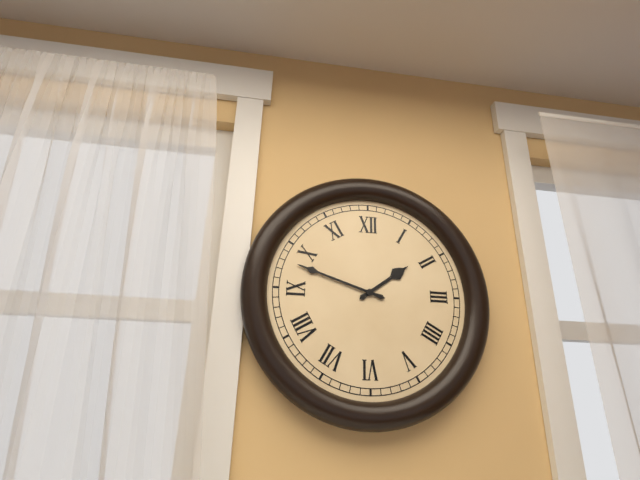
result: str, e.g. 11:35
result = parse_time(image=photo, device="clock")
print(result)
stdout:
1:48
